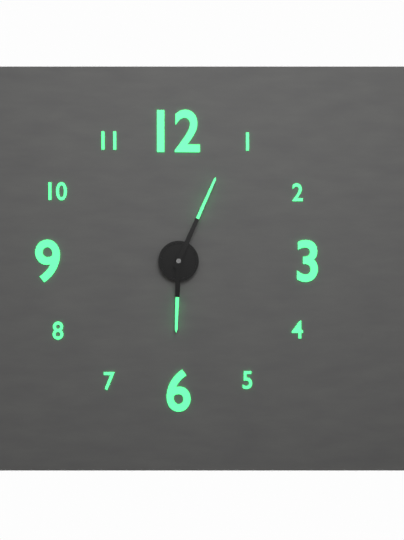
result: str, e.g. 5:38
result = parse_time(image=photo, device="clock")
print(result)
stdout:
6:04
